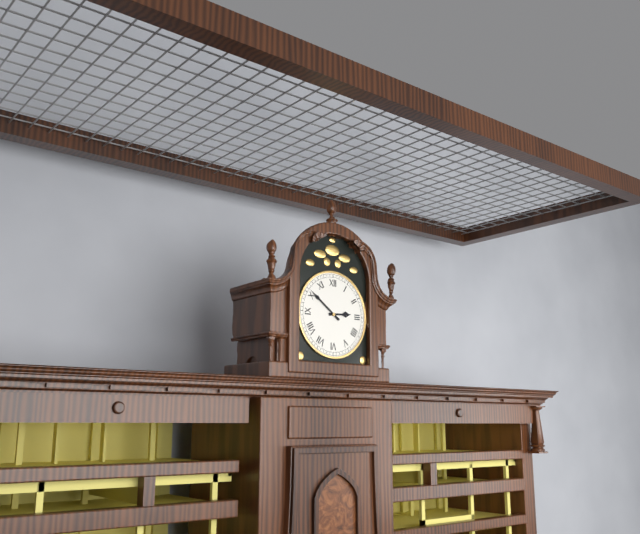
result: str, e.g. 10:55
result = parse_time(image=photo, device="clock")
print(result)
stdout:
2:51
